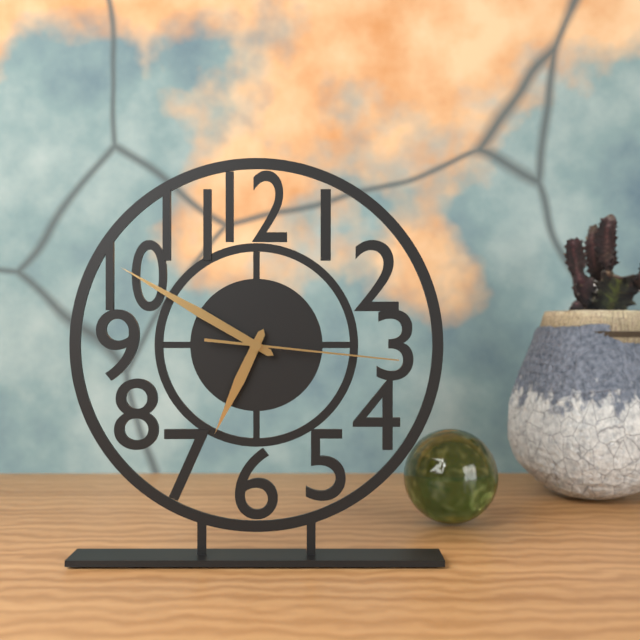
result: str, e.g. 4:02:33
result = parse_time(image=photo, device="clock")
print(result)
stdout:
6:50:16
